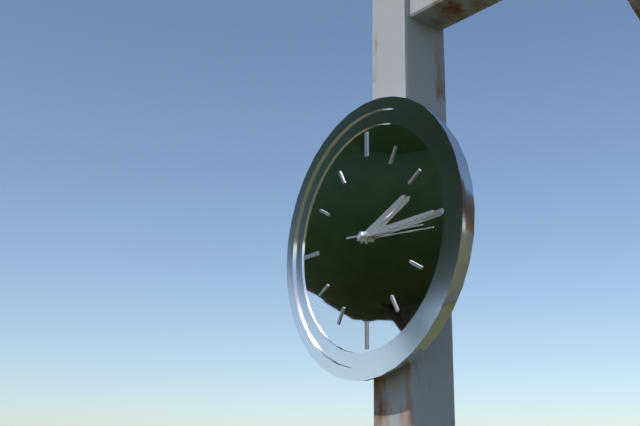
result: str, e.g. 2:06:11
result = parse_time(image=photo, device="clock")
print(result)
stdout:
2:15:16
